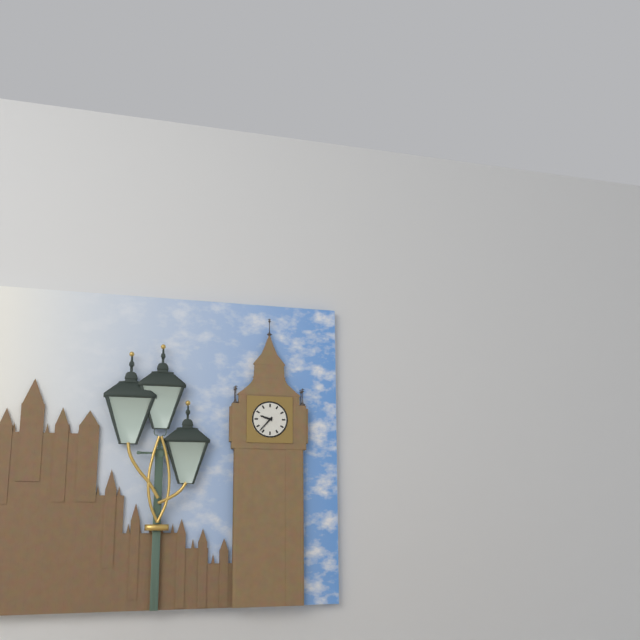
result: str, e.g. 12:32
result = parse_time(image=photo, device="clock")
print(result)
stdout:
9:37
